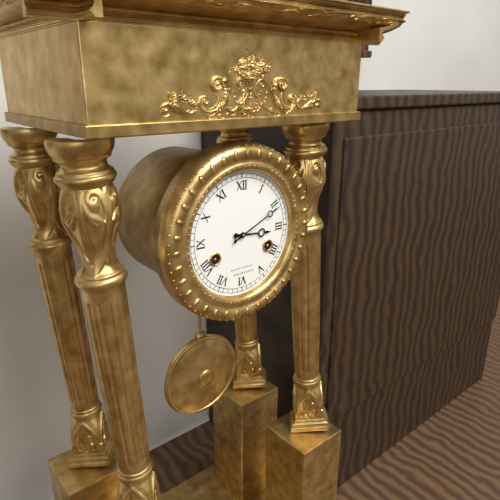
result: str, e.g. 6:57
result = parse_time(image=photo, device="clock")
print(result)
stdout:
3:11
